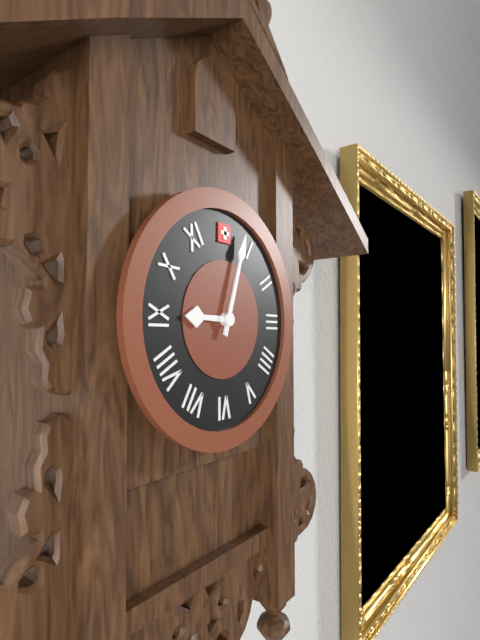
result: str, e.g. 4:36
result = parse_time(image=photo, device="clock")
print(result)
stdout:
9:03
